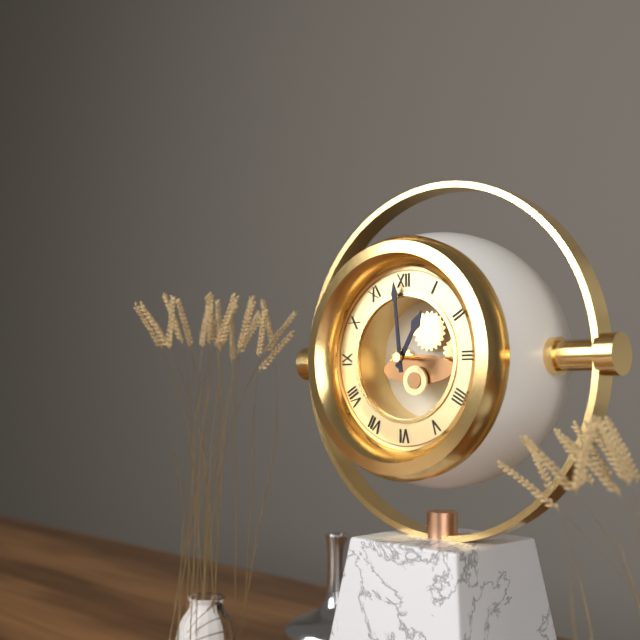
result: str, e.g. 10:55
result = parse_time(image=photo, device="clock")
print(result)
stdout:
12:59
